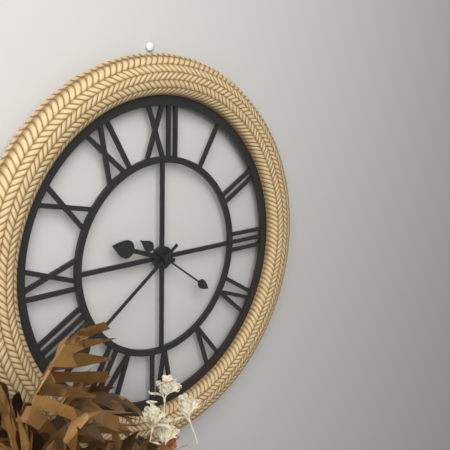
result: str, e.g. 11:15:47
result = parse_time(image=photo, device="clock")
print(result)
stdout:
9:39:21
